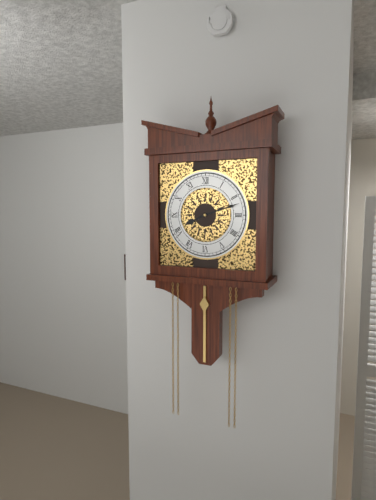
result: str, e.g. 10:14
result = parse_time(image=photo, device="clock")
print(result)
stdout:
8:12
